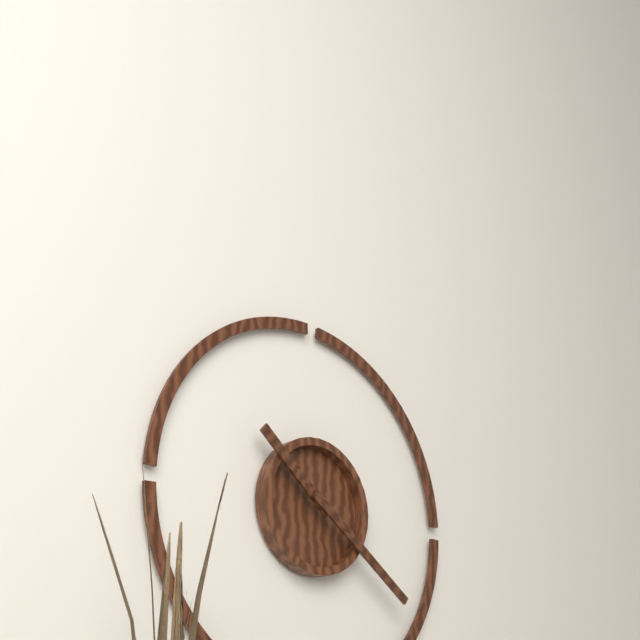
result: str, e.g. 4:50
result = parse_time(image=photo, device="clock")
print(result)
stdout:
10:21
